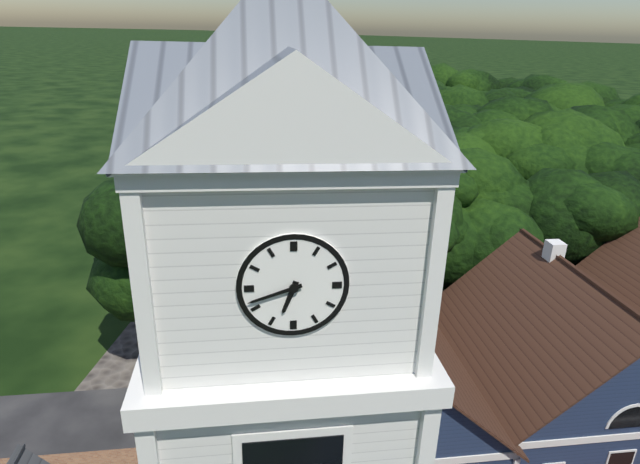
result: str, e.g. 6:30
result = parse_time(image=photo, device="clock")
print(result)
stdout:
6:42
